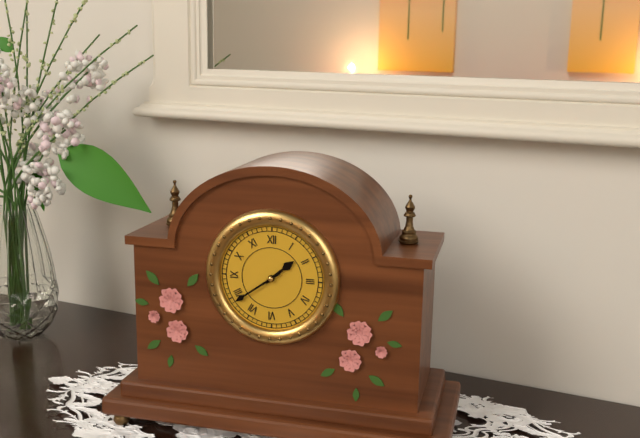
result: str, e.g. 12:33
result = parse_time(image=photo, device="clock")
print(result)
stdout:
1:39
